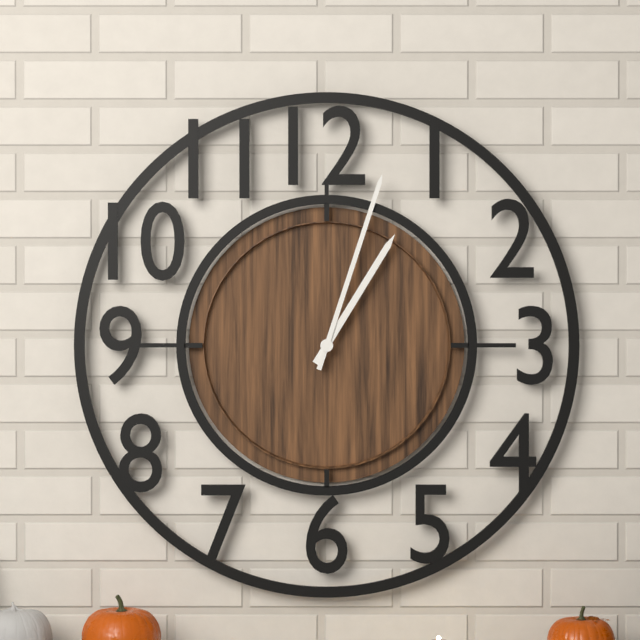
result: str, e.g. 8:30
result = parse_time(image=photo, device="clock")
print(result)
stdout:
1:03
